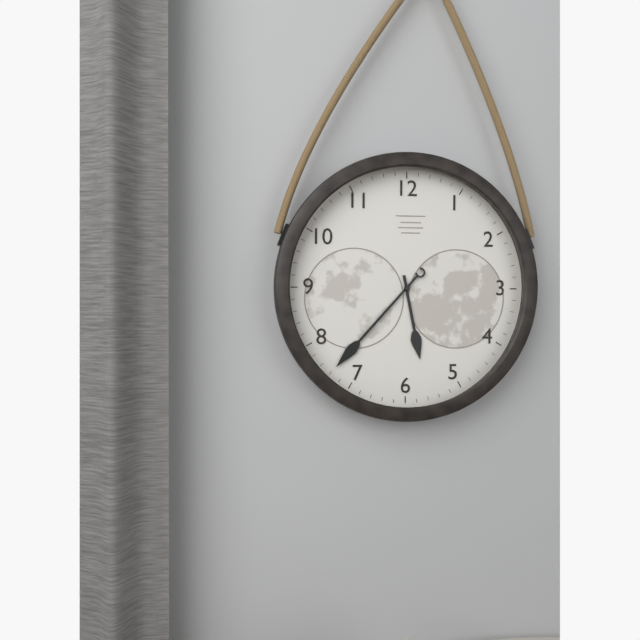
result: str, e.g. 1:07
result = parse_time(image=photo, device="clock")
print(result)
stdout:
5:37
